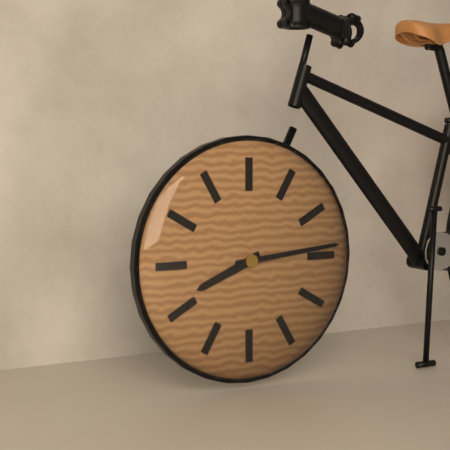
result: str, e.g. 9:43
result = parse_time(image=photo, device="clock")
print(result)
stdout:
8:14
